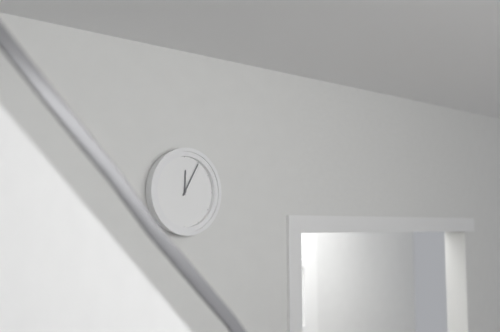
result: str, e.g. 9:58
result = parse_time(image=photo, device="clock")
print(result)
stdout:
12:05
